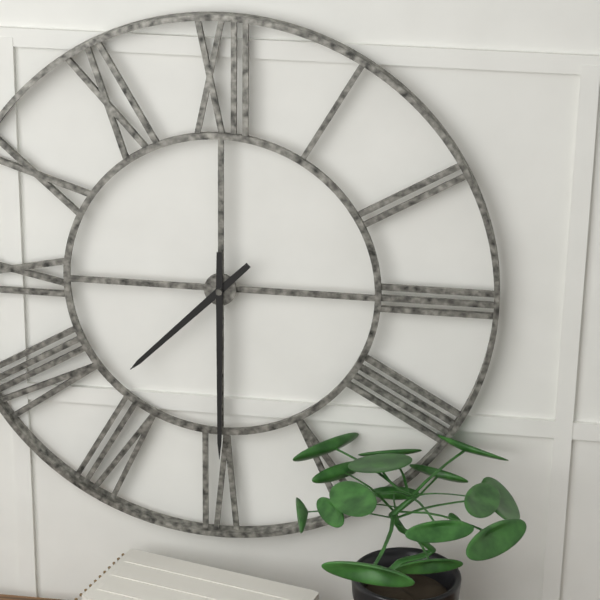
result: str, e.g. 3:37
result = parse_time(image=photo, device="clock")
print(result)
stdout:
7:30
